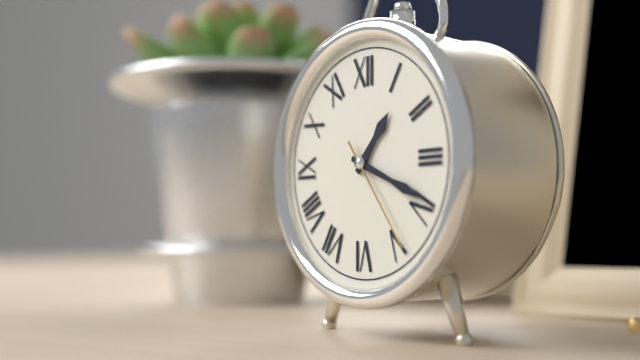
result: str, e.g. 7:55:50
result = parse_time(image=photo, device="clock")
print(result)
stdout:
1:19:24
